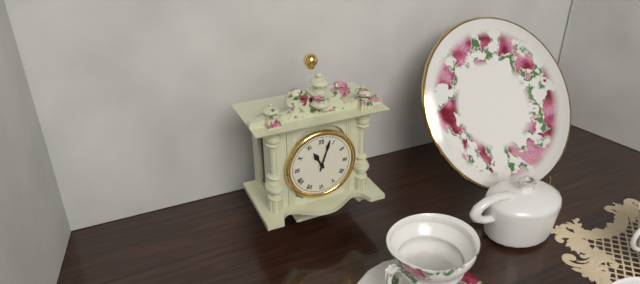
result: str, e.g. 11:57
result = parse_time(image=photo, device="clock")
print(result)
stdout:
11:03
